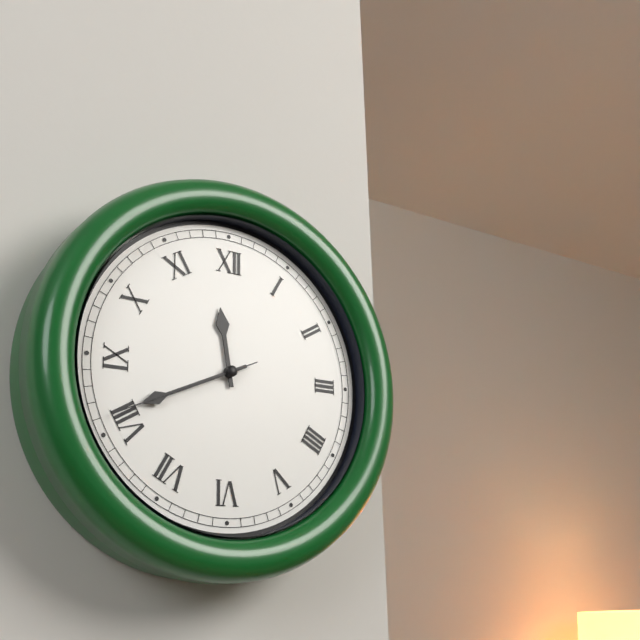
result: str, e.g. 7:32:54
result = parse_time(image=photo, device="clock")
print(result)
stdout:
11:41:41
